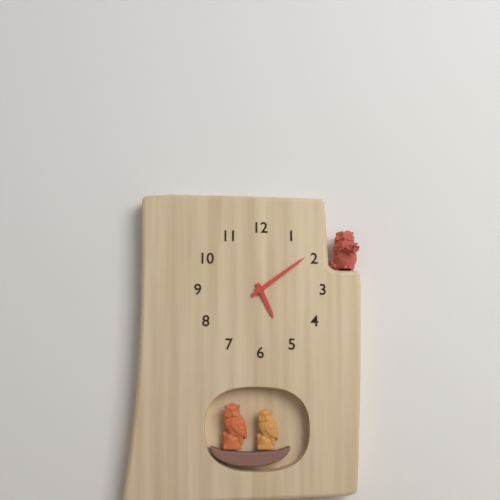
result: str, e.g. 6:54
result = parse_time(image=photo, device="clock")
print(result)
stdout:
5:09
